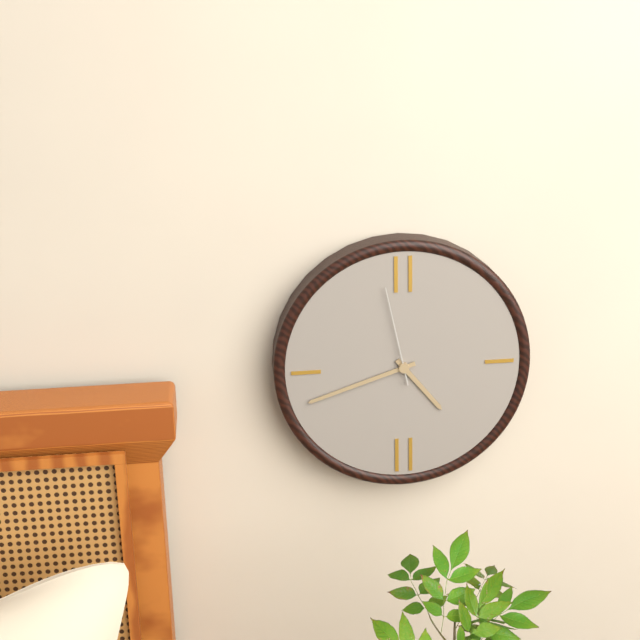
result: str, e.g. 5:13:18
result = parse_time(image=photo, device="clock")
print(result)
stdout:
4:42:58
